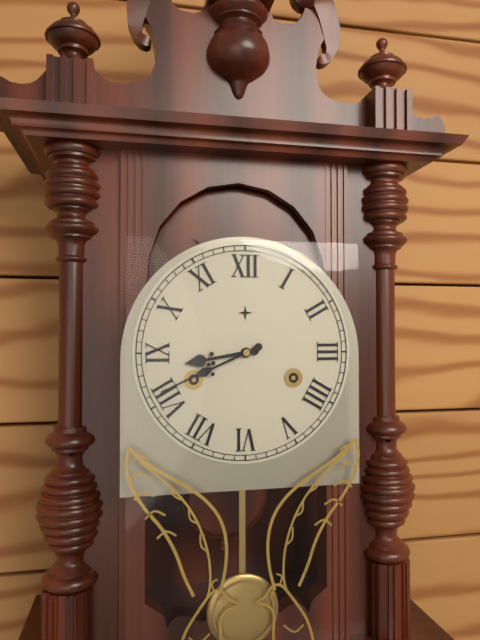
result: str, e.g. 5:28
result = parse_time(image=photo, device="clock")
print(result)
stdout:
8:41
